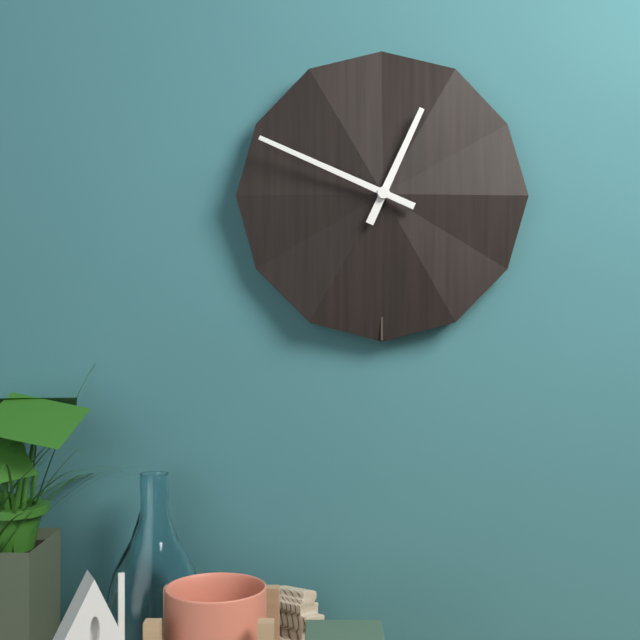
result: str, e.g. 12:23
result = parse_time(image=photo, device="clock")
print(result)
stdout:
12:49
